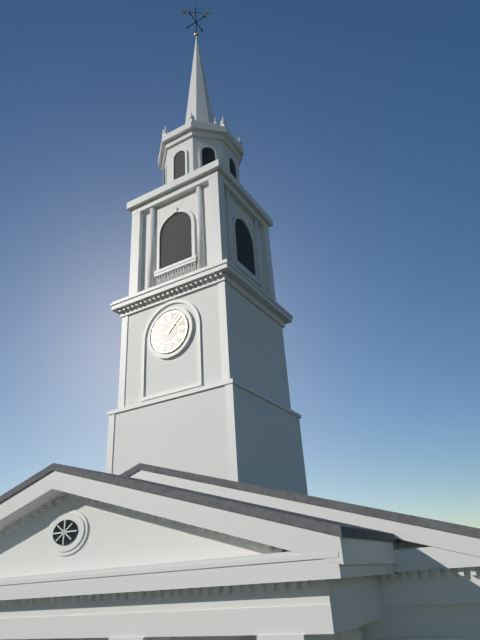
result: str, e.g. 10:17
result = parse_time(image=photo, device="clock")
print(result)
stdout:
1:08
